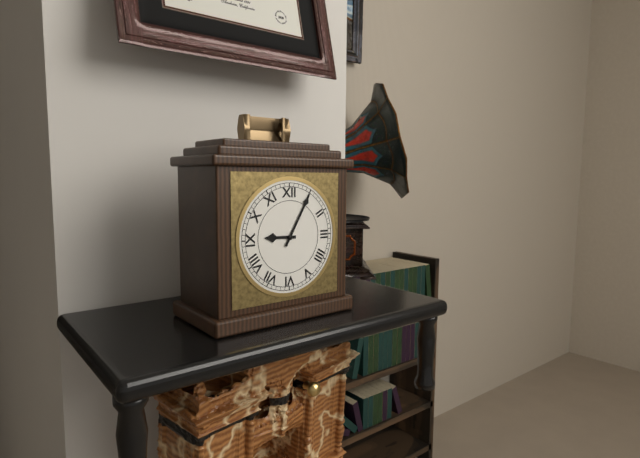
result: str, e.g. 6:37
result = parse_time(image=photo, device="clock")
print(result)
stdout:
9:05
